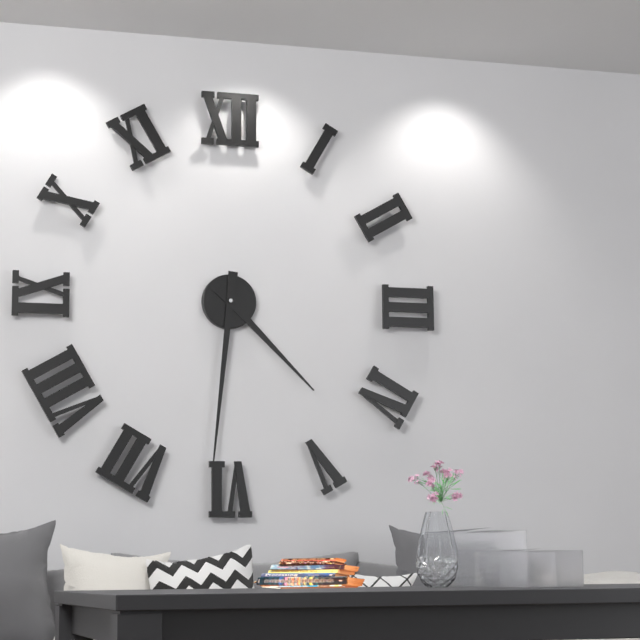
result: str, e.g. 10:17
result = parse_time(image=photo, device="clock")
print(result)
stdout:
4:31
